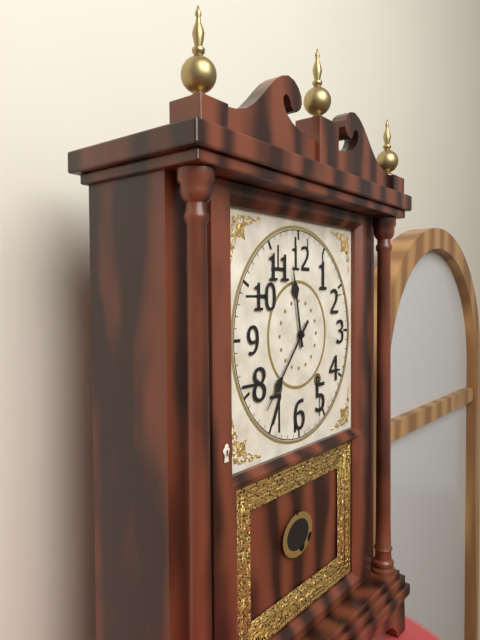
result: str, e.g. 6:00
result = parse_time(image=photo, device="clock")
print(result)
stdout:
11:37
